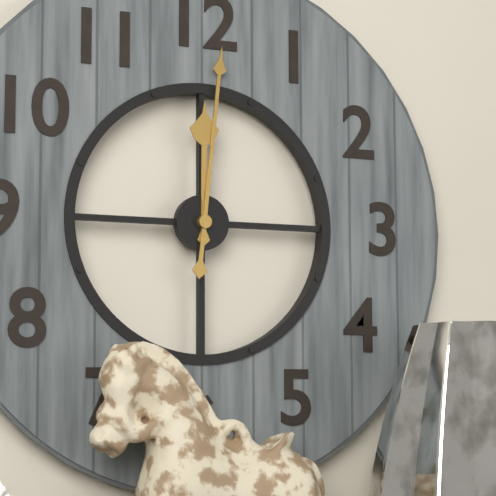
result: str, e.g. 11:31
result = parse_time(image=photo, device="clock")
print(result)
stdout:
12:01
